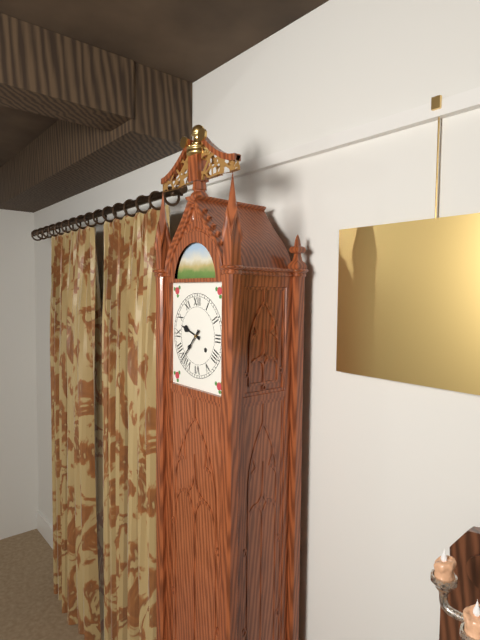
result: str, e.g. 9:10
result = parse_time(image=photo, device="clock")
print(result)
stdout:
9:37
